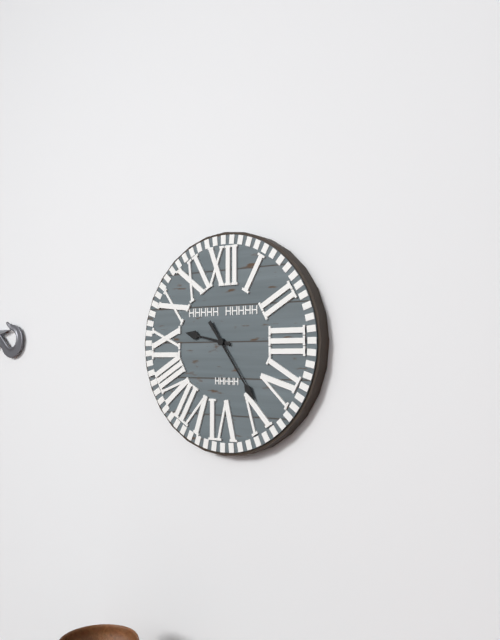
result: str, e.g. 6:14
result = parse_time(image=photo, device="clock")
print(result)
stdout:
9:24
